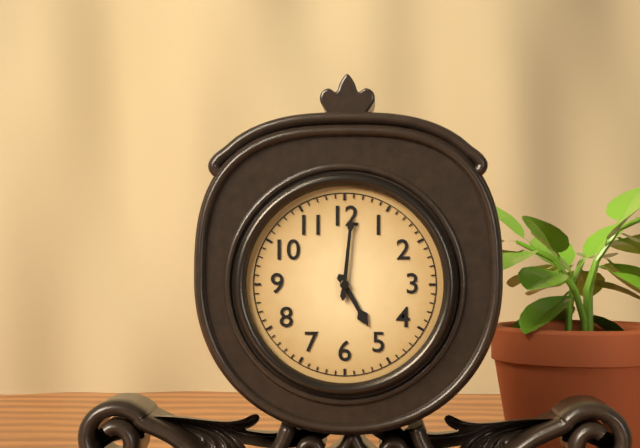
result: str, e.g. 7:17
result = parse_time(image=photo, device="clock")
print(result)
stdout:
5:01
